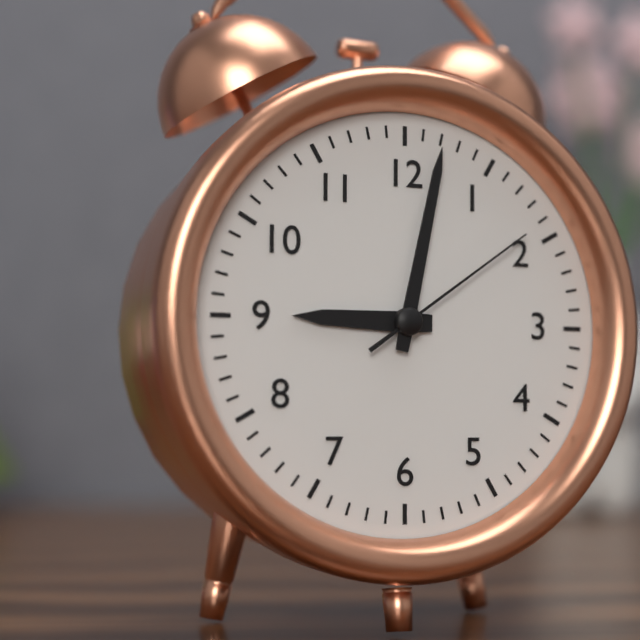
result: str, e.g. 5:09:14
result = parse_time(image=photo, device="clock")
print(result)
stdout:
9:02:09
